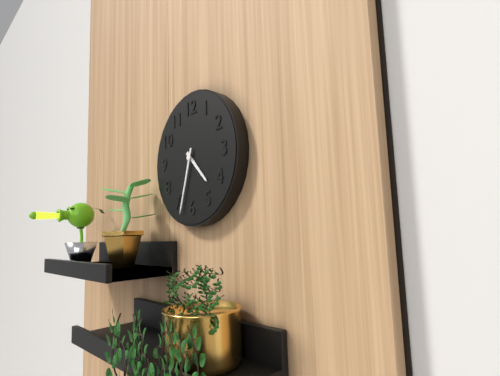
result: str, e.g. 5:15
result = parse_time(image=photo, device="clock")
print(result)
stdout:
4:33
